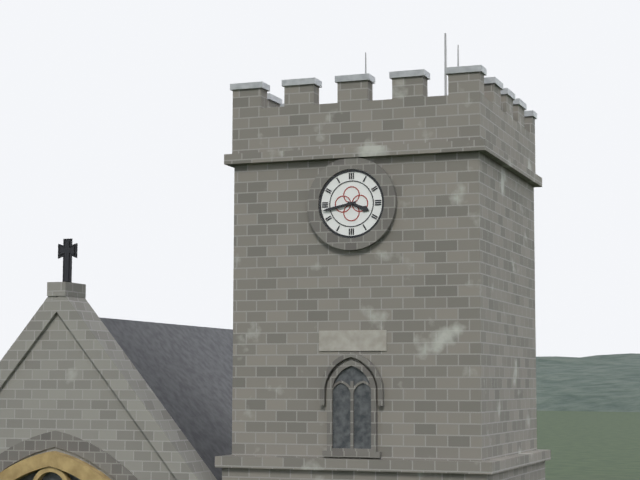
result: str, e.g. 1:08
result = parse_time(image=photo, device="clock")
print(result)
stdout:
3:43
